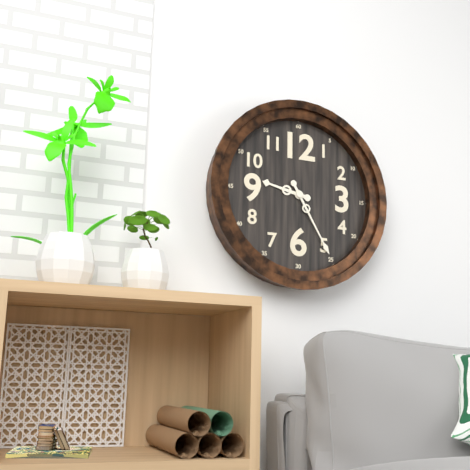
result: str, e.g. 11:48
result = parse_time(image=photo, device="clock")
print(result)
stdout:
9:25
